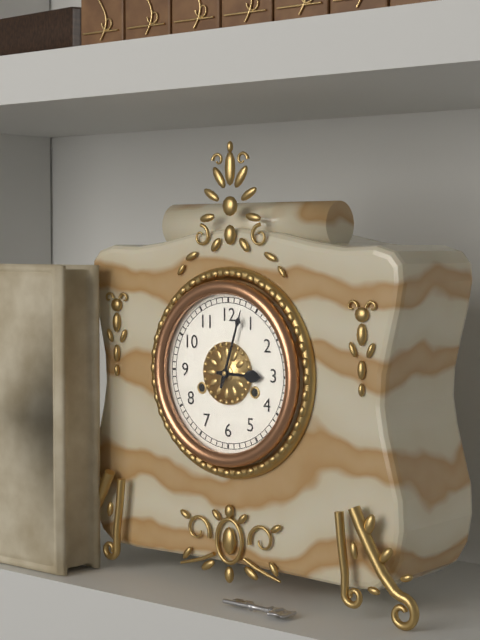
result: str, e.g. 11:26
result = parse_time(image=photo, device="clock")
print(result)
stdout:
3:03
